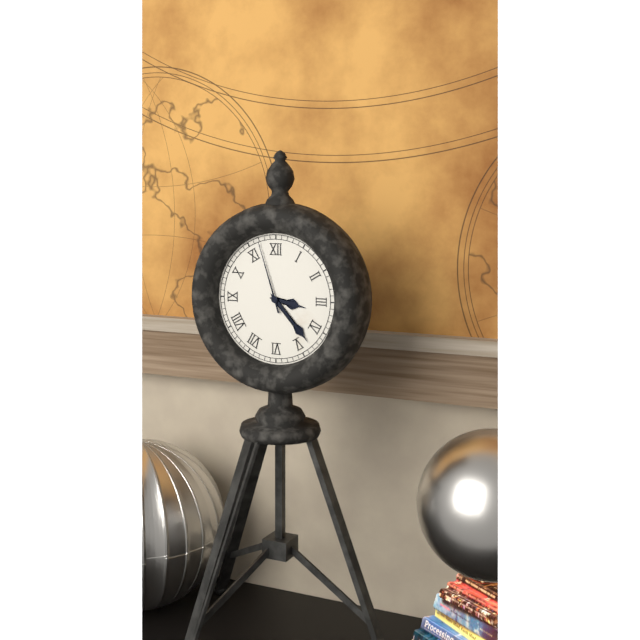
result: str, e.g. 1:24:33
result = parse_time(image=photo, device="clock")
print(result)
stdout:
3:23:57
